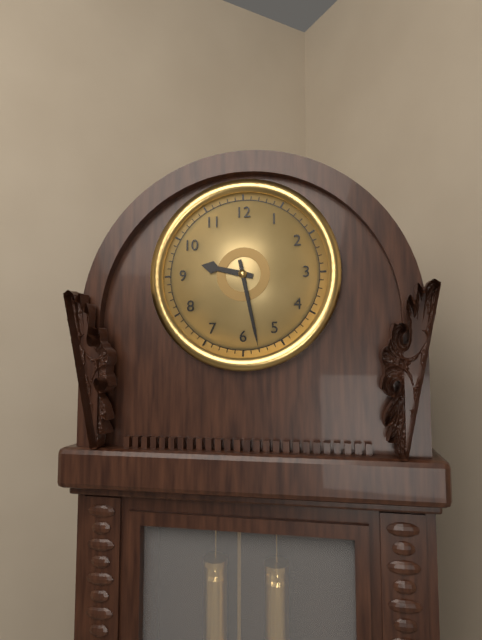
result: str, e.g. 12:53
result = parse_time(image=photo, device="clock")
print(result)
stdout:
9:28
